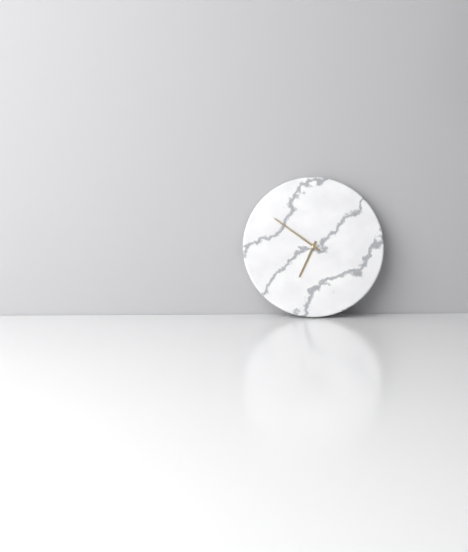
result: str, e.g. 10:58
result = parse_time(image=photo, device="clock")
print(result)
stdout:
6:51
